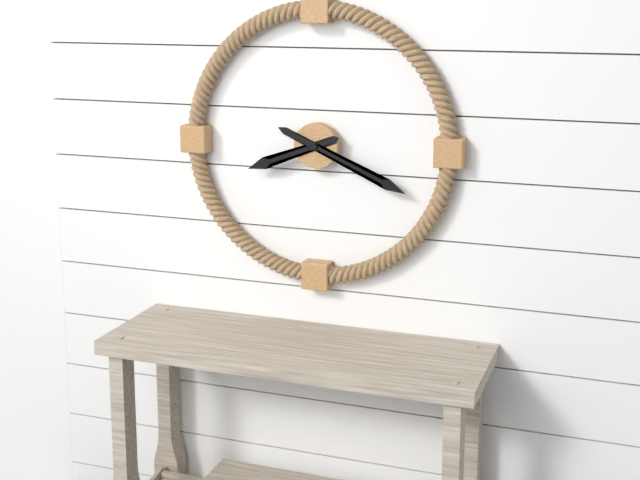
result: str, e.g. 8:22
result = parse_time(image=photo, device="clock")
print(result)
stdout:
8:19
